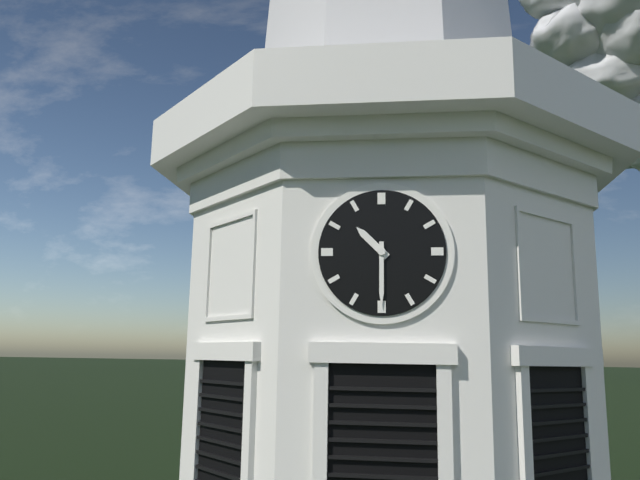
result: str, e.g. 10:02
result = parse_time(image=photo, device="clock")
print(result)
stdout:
10:30
